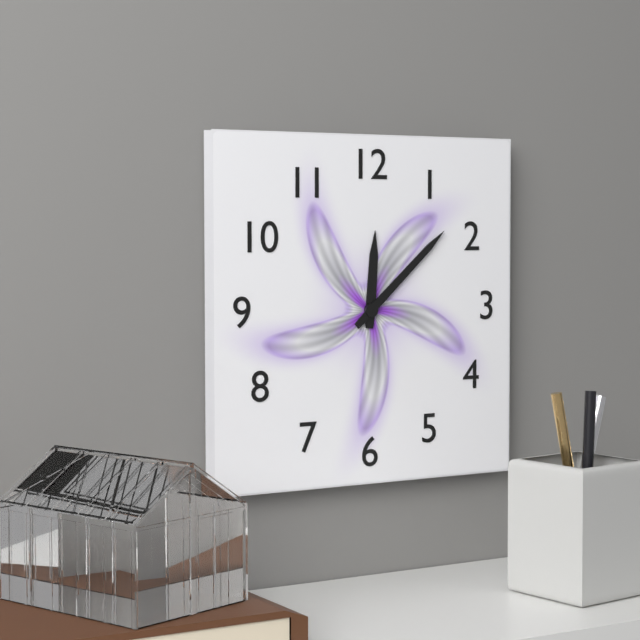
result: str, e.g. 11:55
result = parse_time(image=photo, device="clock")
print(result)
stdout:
12:08
